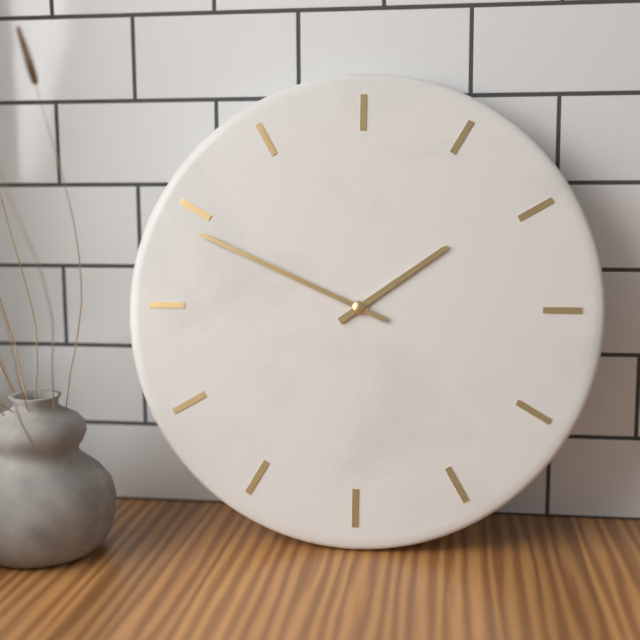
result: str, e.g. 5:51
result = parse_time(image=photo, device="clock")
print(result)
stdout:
1:49
